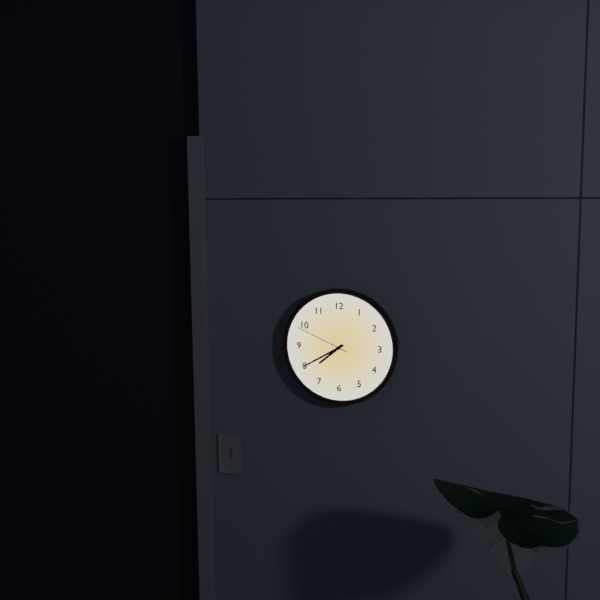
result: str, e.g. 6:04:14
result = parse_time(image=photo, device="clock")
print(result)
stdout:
7:40:49
